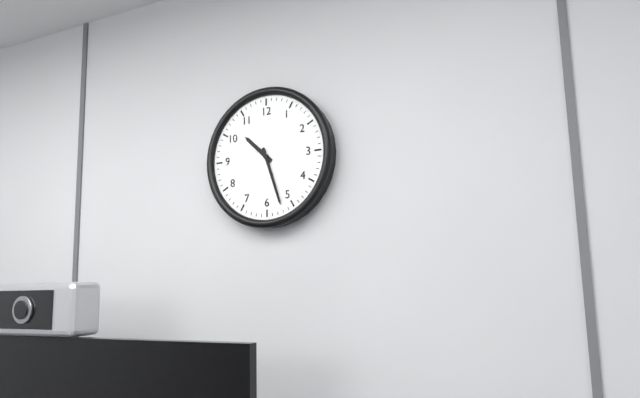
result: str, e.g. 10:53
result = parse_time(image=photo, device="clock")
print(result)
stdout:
10:27
